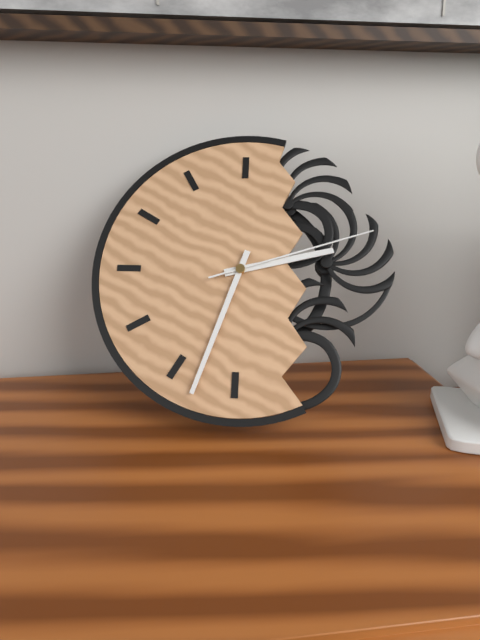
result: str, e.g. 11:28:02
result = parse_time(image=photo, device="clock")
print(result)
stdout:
2:33:12
